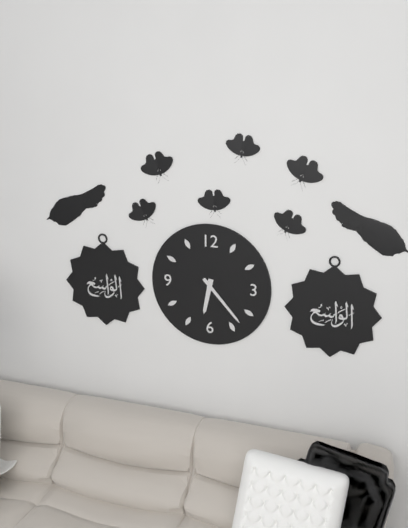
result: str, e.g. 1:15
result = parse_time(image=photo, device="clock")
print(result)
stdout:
6:23
